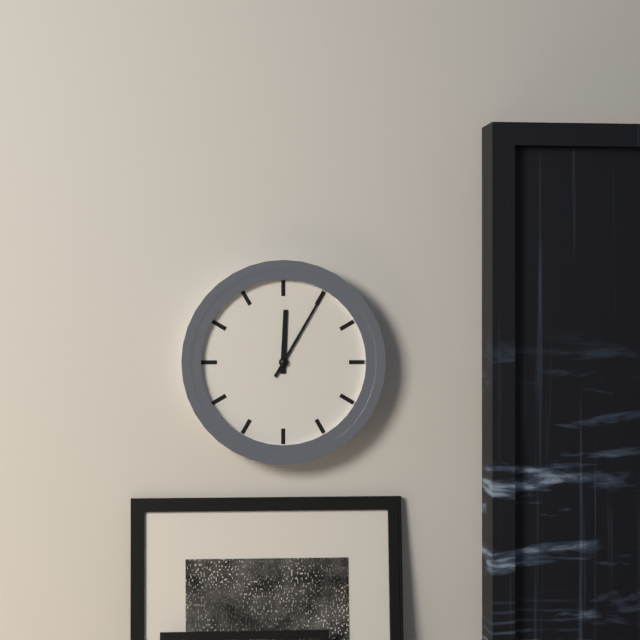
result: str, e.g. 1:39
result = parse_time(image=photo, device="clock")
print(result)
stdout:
12:05
